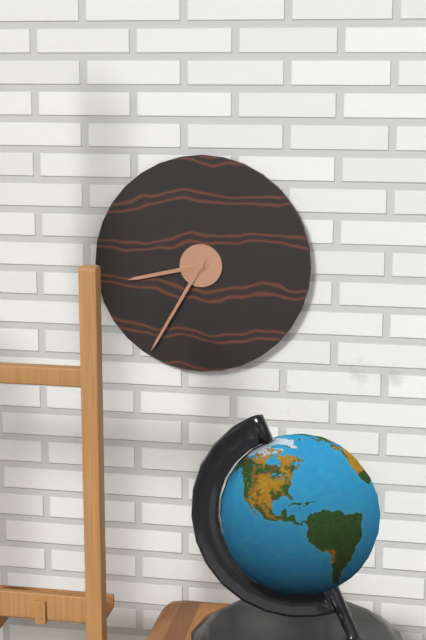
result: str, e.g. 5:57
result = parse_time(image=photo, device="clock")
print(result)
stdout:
8:35
